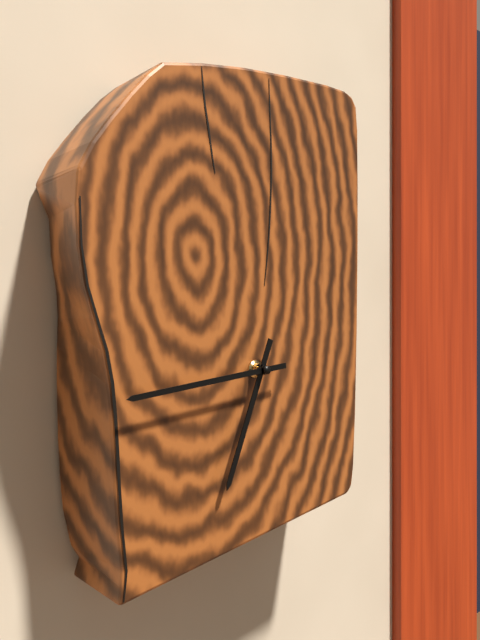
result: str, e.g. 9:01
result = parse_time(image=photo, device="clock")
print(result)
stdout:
6:44
